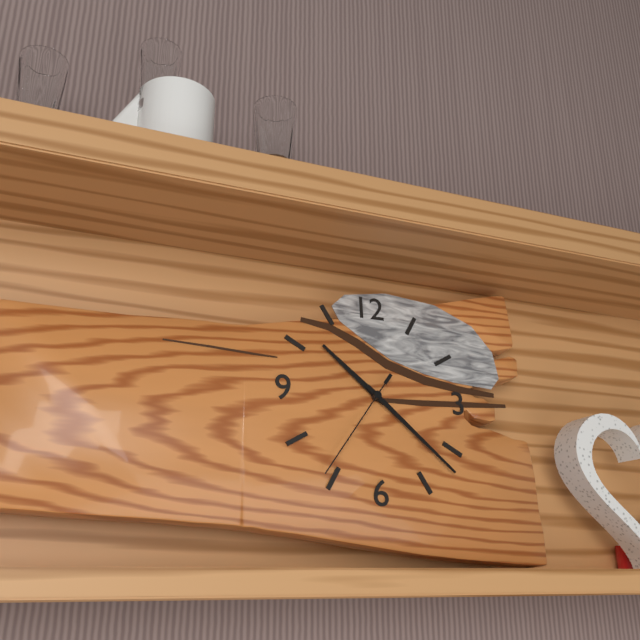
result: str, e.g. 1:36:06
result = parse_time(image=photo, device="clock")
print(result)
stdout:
10:22:36
